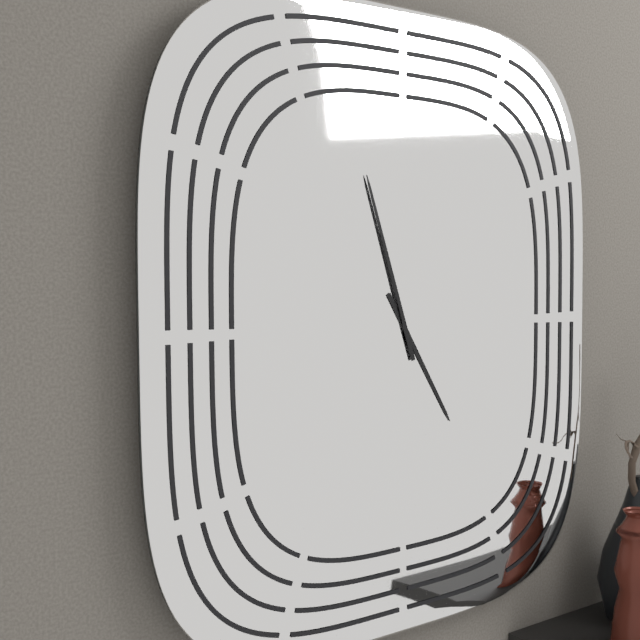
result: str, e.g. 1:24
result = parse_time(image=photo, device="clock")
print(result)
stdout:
4:57
